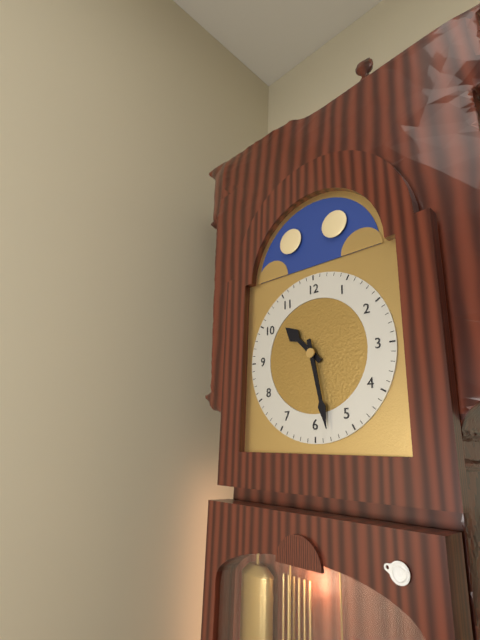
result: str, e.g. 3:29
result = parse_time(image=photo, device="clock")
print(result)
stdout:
10:28
